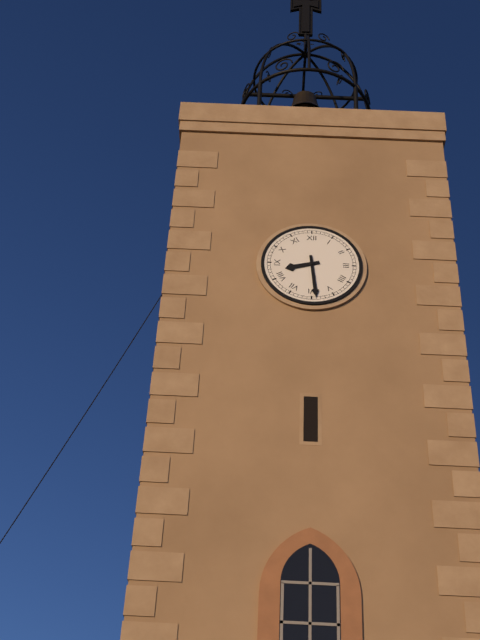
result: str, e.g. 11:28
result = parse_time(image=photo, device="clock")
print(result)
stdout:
8:29
